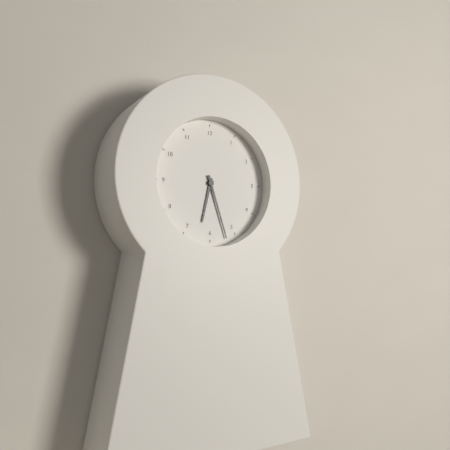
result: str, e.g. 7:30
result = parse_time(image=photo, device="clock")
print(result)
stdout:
6:27
